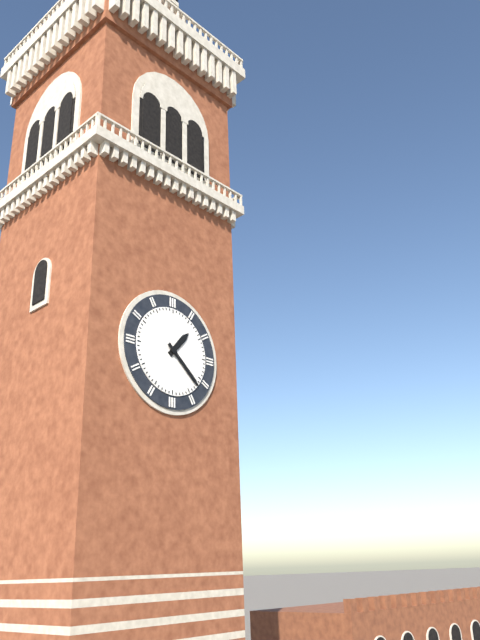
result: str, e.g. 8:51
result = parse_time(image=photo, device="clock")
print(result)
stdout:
1:22
